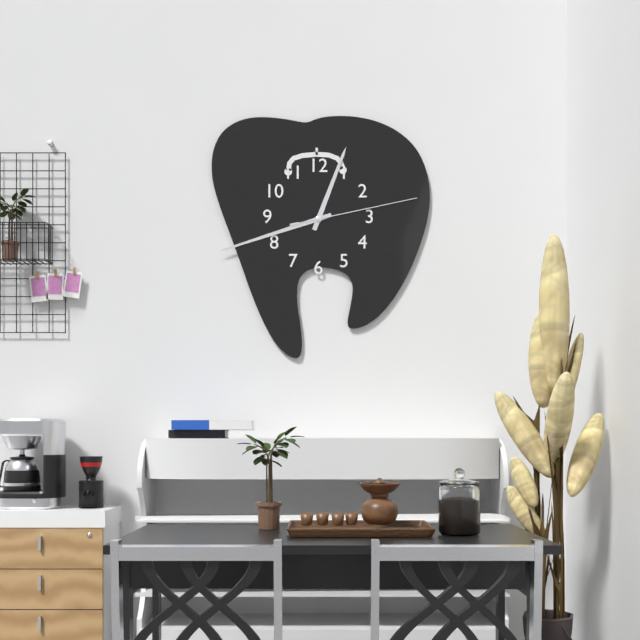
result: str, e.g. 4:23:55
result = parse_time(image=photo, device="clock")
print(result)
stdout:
12:42:13
